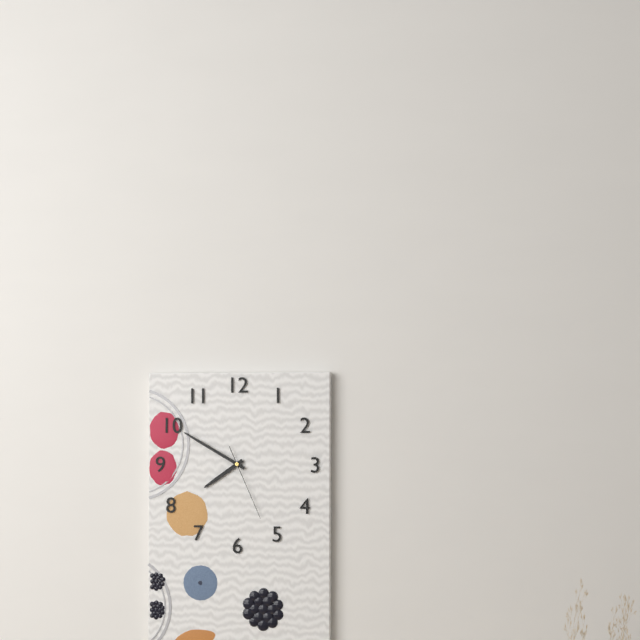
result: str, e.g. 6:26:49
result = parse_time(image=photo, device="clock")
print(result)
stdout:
7:50:26
